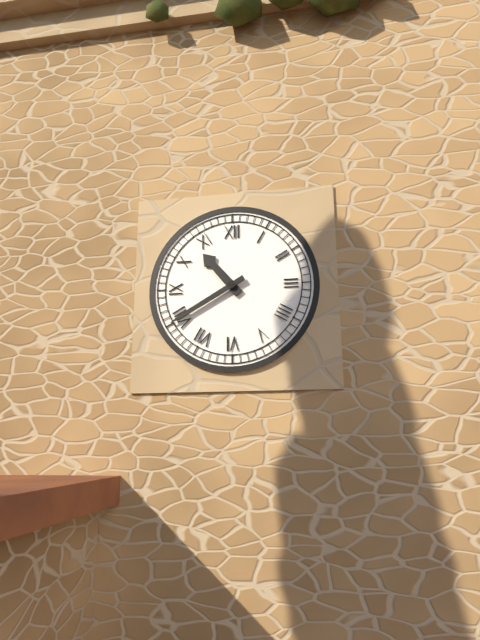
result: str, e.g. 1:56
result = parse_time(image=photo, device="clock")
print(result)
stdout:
10:40
